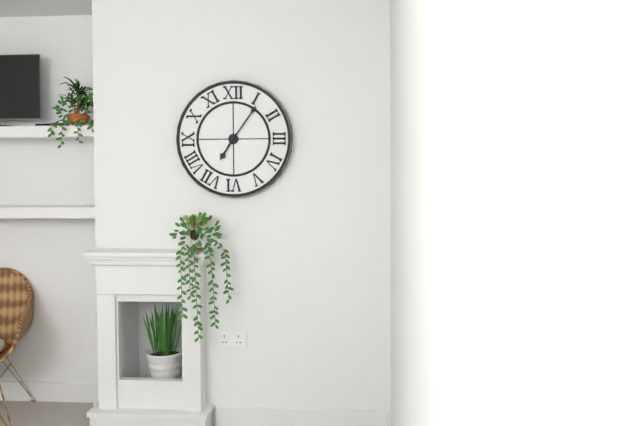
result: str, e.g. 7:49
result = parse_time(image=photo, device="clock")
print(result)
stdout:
7:06
